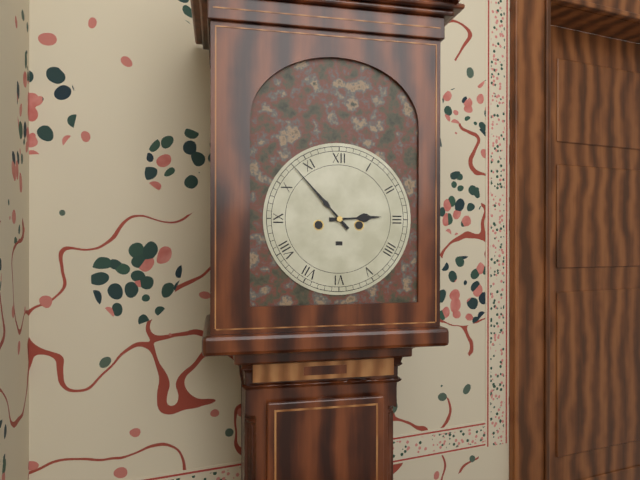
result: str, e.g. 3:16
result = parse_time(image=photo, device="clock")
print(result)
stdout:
2:53
